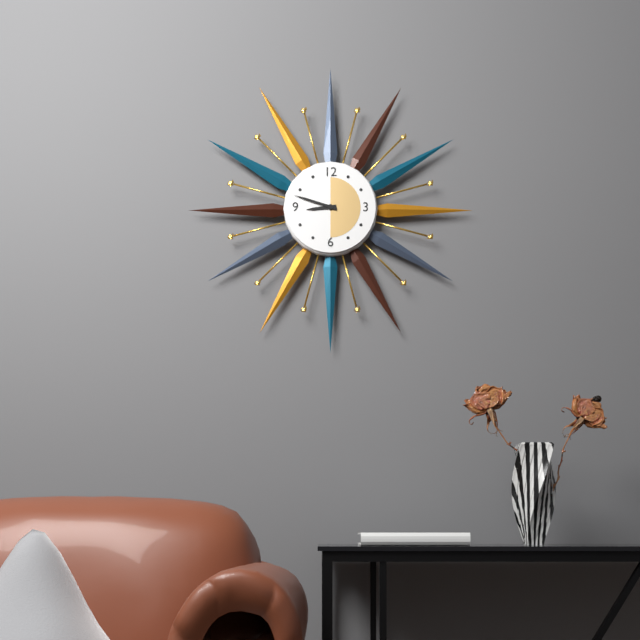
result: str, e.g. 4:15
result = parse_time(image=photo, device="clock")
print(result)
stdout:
8:48
